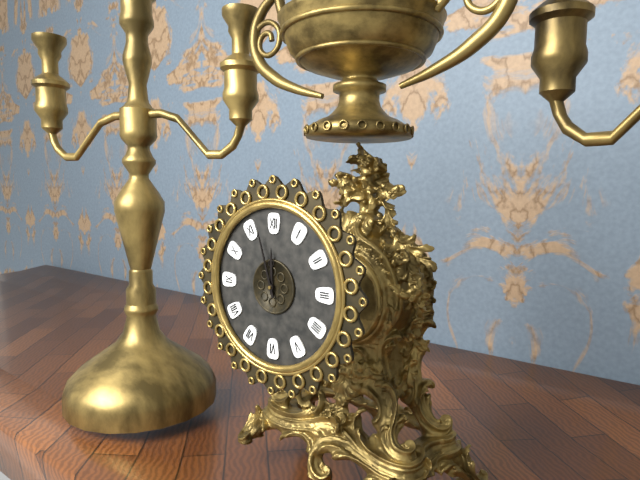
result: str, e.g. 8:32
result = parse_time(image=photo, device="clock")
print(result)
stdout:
11:57
